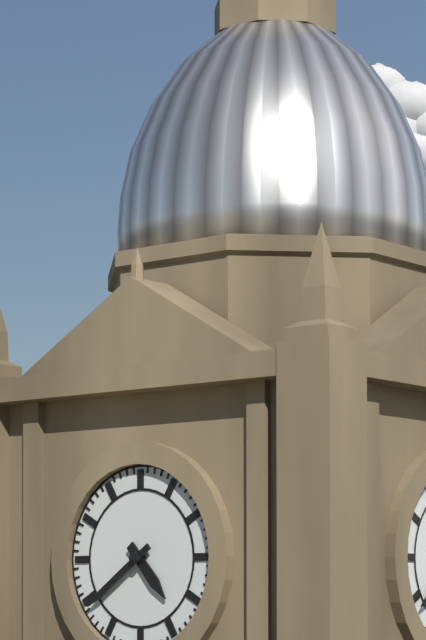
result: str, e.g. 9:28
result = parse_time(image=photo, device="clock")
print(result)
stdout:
4:39
